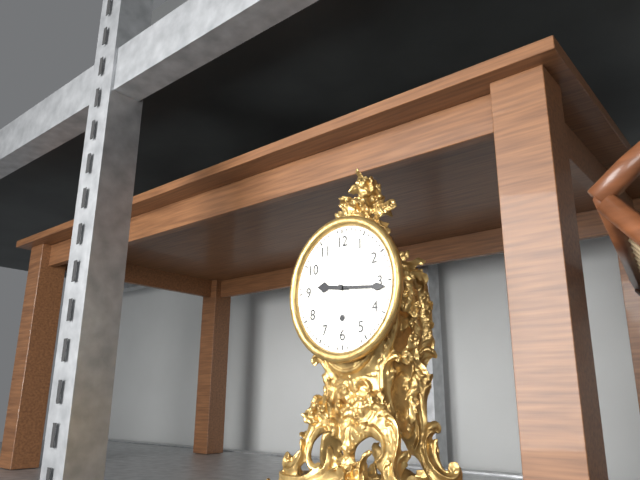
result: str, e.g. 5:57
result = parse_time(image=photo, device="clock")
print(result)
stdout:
9:16
